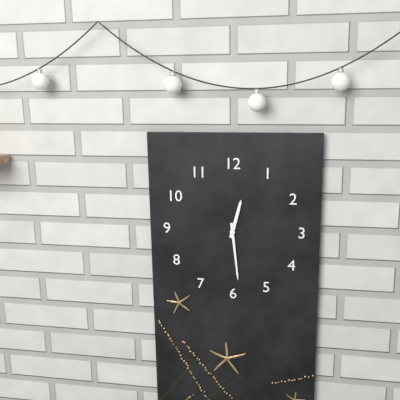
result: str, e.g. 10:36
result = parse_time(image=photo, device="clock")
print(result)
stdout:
12:29
